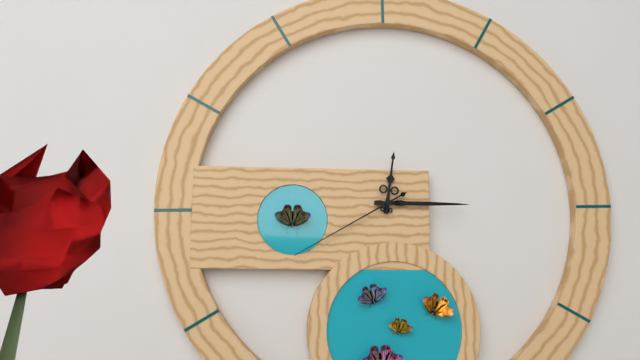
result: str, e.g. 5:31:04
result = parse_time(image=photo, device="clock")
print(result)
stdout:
12:15:40
